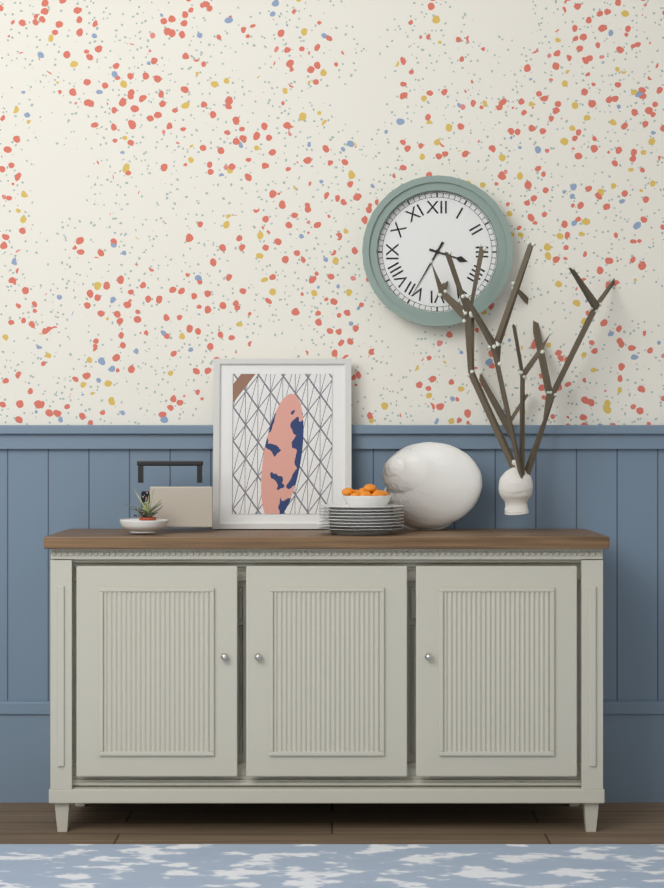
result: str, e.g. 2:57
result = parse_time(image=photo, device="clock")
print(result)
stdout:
3:35
